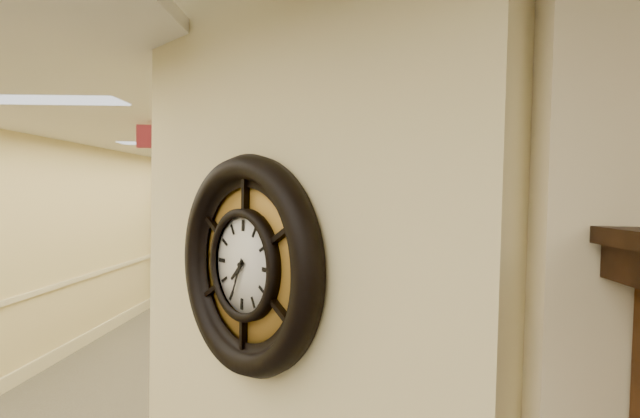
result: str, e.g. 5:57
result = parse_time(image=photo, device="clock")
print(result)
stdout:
7:34
